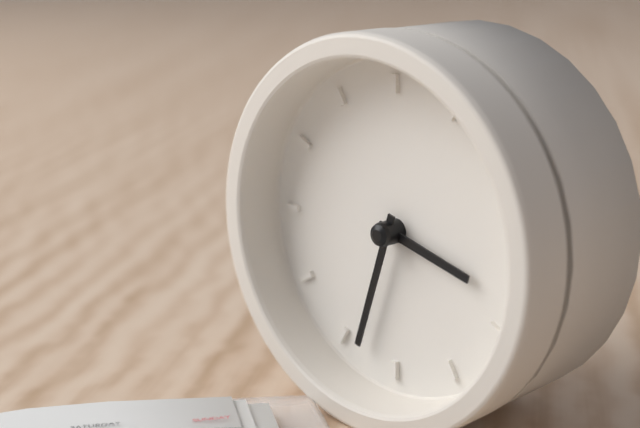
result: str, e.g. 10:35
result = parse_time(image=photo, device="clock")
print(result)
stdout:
3:33
